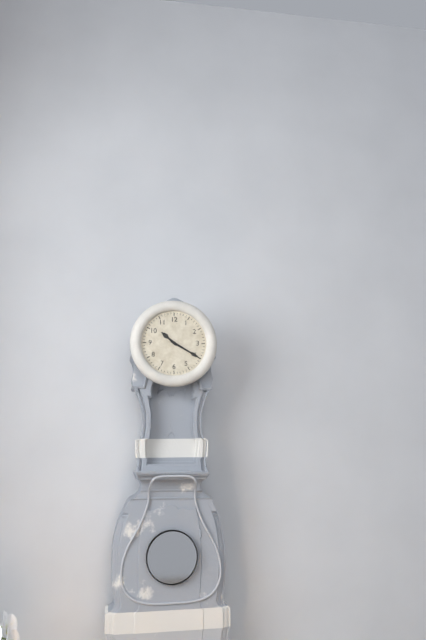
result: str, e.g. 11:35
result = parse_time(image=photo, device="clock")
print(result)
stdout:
10:20
